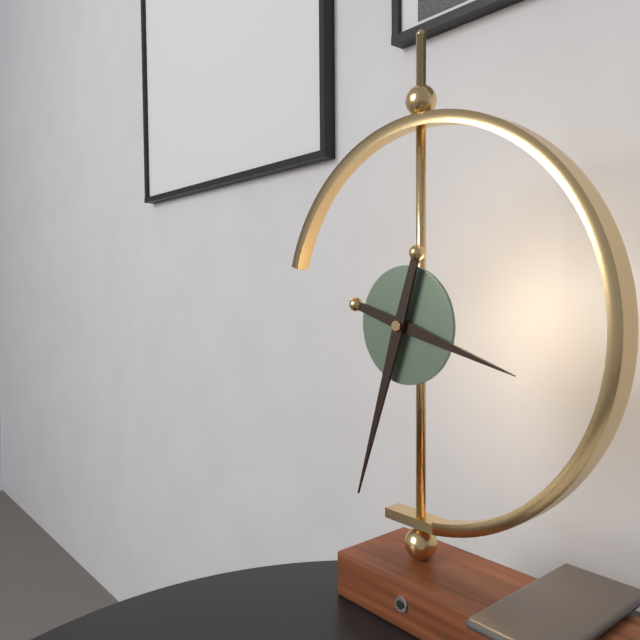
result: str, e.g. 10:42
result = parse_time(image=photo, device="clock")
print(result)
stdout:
3:33
